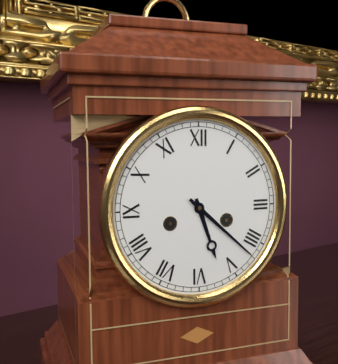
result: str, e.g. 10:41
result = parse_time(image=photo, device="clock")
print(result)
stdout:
5:22
